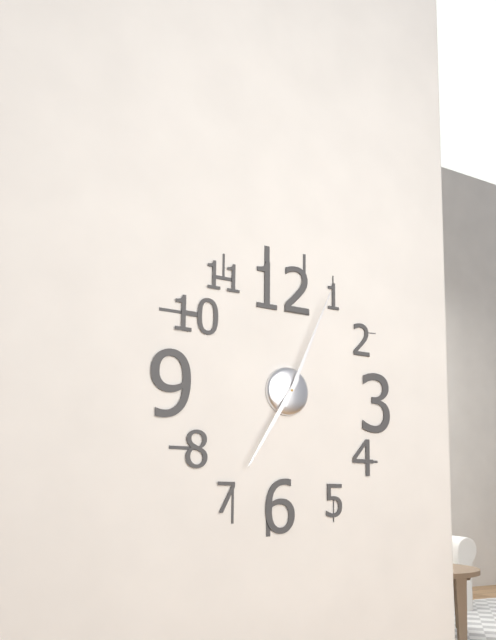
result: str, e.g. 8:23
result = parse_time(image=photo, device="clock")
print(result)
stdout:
7:04
